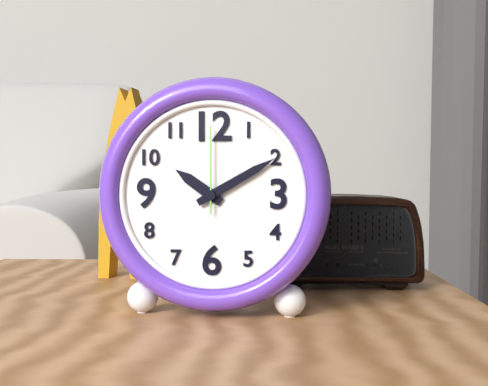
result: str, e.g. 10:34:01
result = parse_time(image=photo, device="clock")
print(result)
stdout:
10:10:00
